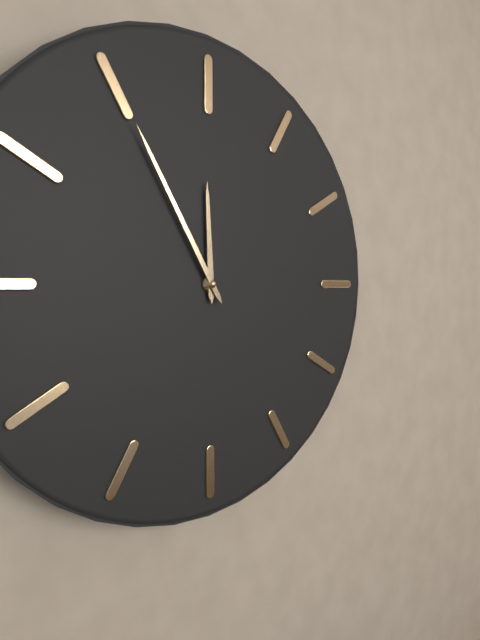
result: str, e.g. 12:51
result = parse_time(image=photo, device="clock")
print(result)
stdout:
11:55
